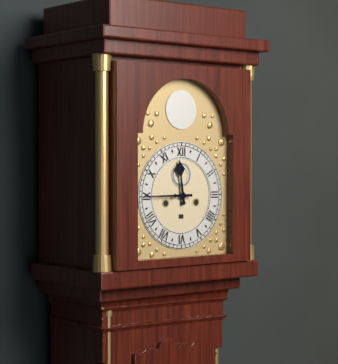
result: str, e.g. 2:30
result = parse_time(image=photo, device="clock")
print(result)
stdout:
11:45
